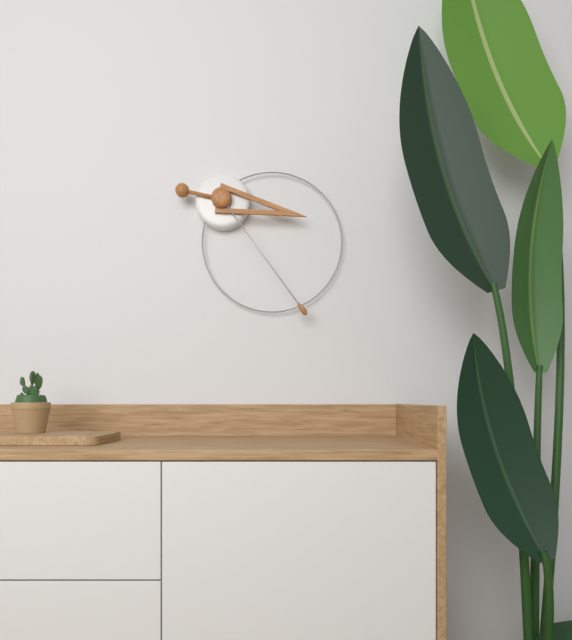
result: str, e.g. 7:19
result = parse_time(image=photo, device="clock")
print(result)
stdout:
3:24
